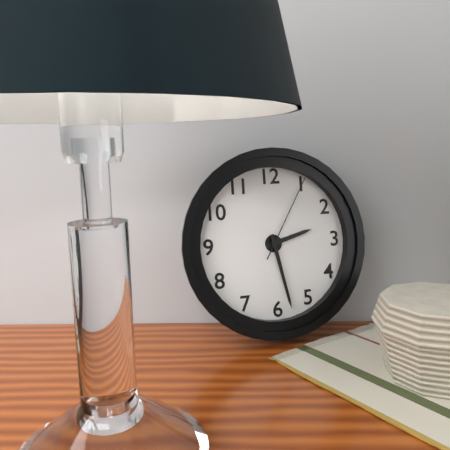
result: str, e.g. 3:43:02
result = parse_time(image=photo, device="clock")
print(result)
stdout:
2:28:05
